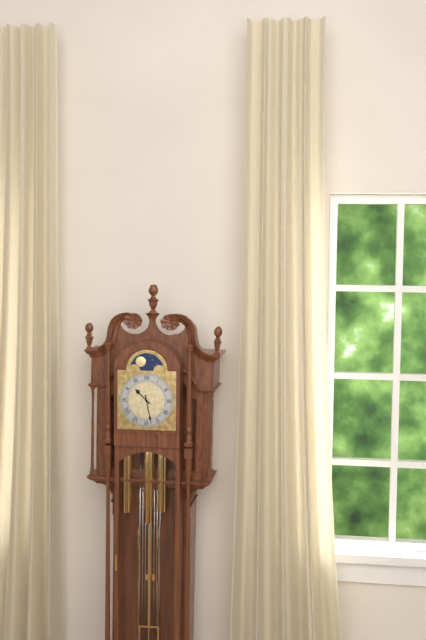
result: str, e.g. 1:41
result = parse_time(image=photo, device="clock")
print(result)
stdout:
10:28
